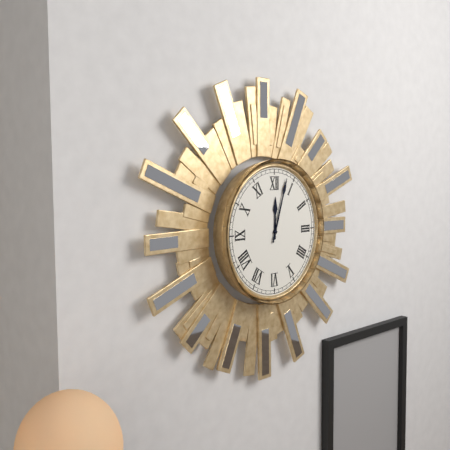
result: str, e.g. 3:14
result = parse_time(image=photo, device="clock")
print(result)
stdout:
12:03
